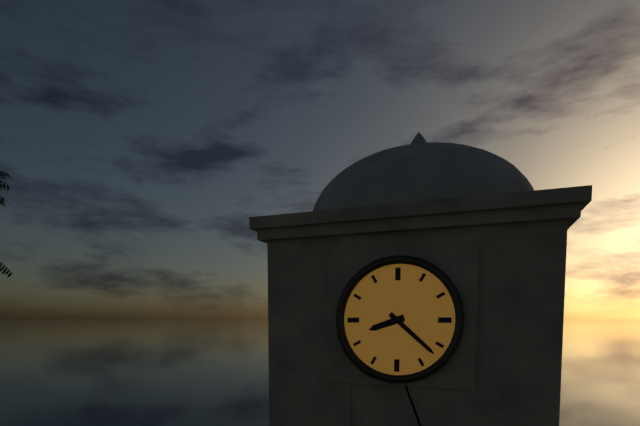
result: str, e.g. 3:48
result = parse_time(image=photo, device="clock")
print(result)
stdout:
8:22
